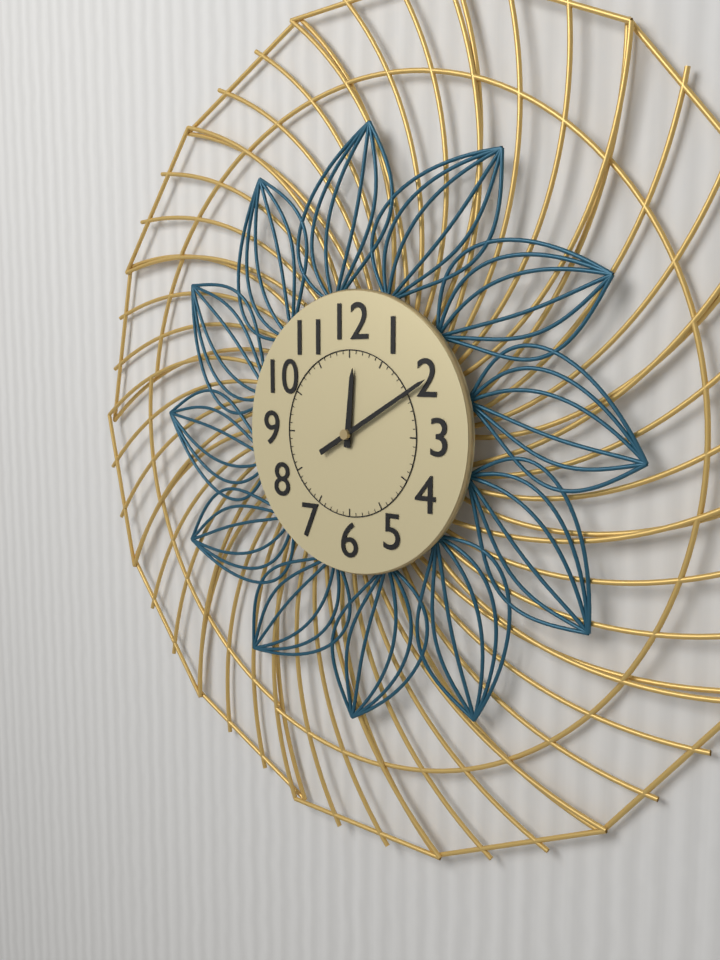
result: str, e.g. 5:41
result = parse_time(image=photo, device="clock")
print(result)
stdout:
12:10
